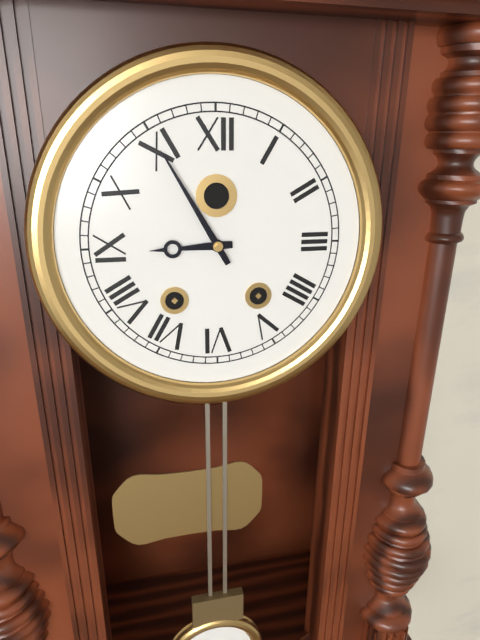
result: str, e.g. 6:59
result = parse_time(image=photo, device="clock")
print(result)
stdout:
8:55
